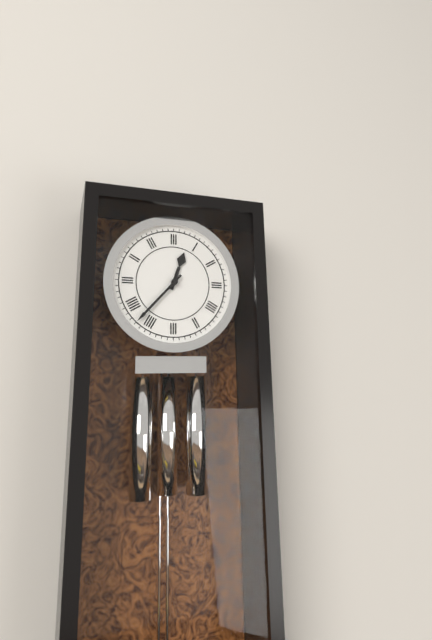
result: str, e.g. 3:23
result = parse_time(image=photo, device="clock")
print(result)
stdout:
12:37
